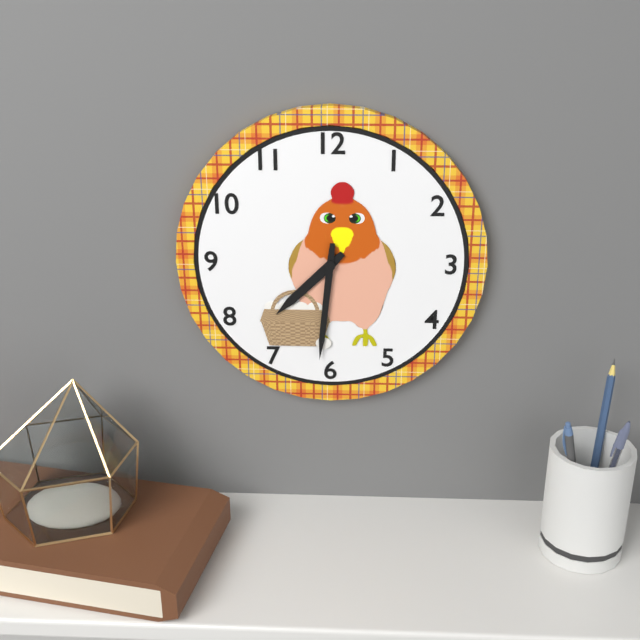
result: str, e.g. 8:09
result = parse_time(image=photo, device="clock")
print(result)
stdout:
7:31
